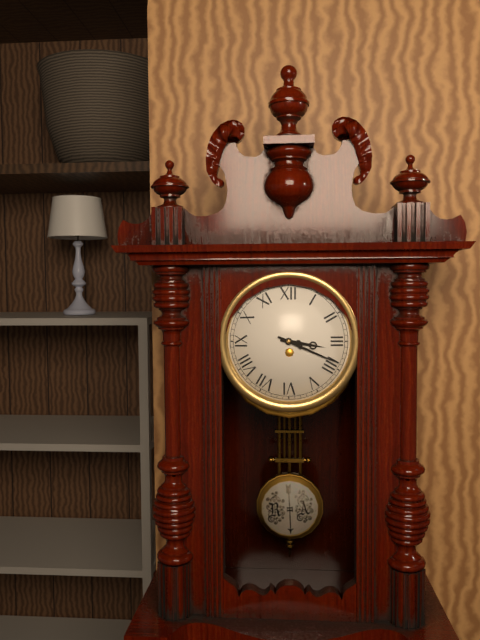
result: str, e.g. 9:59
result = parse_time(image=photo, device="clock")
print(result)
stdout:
3:19
